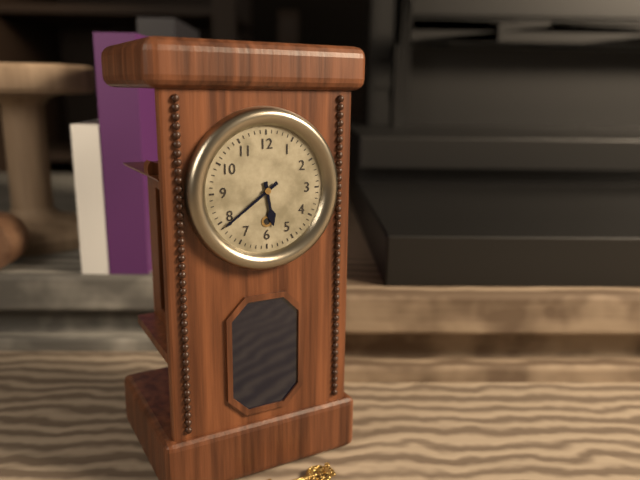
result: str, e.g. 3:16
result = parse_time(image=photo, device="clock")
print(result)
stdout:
5:39
